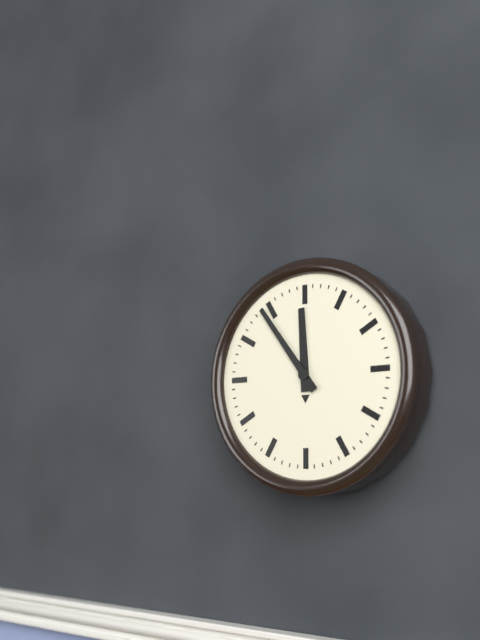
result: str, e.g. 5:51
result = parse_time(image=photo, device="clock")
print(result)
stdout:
11:54
